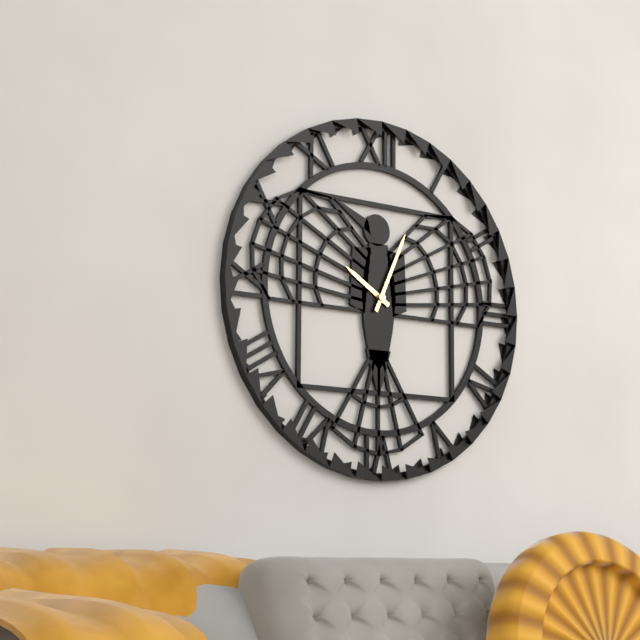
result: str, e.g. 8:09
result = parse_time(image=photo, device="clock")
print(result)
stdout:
10:04
